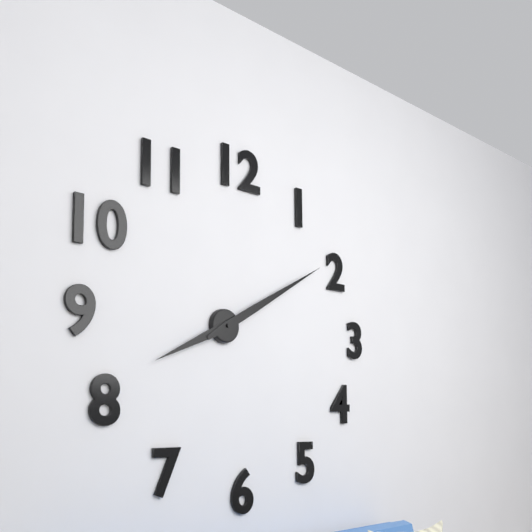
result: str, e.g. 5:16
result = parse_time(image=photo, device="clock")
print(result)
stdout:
8:10
